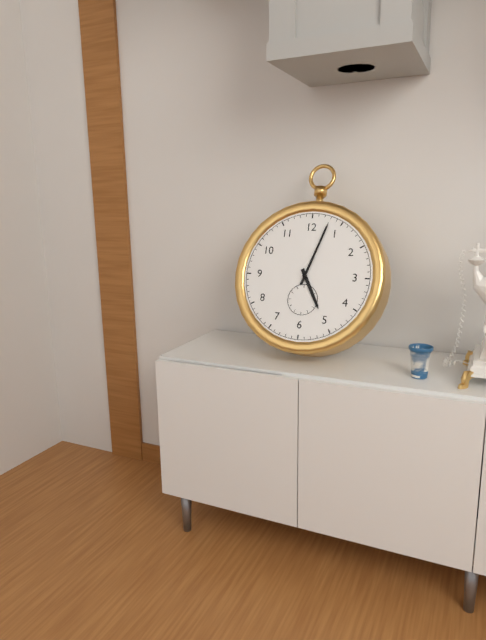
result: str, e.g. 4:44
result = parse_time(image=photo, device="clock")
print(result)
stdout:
5:03
